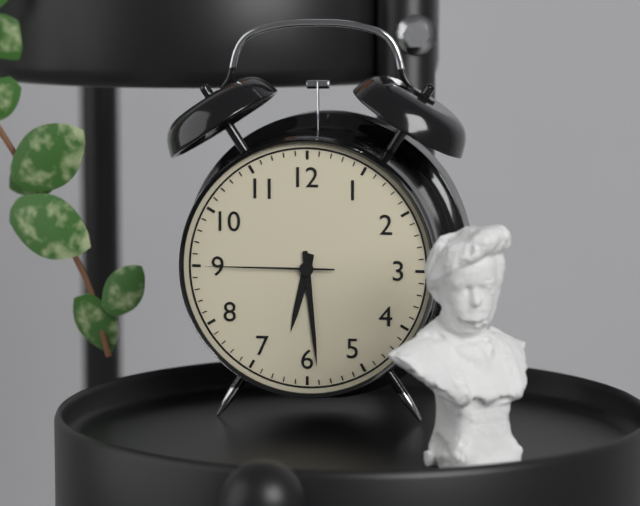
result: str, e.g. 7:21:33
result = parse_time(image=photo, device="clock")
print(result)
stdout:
6:29:45
